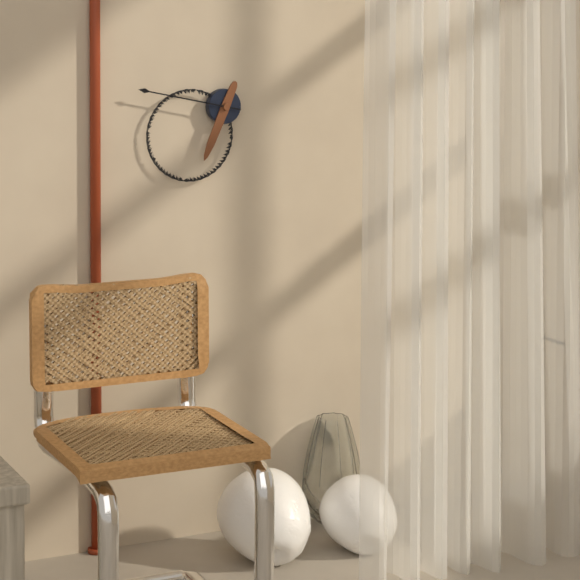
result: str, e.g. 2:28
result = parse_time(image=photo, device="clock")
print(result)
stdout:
6:47
